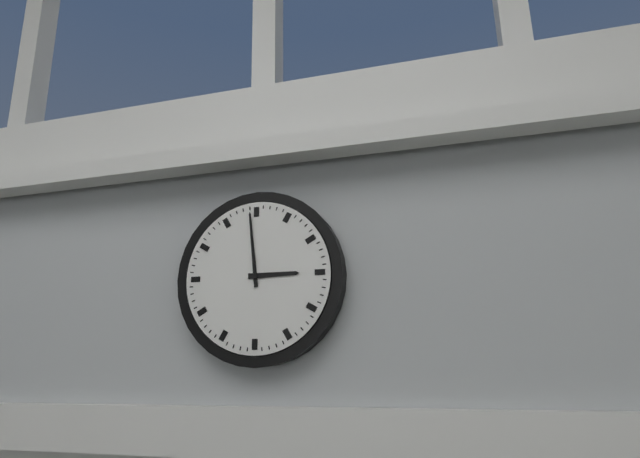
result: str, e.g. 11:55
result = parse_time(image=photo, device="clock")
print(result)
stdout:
2:59
